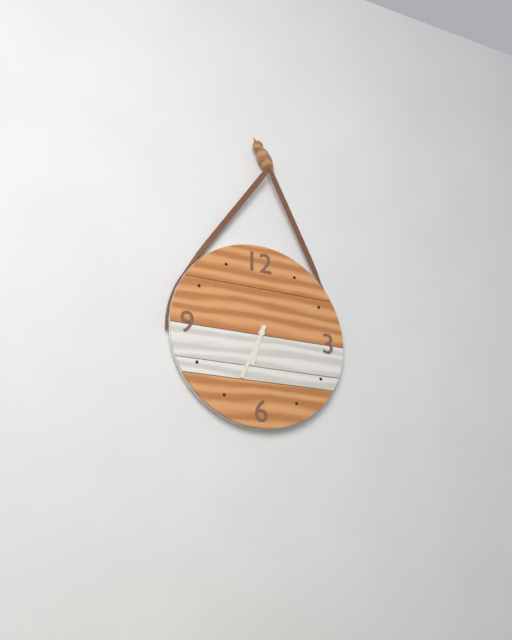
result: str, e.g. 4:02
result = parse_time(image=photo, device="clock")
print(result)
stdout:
6:34
